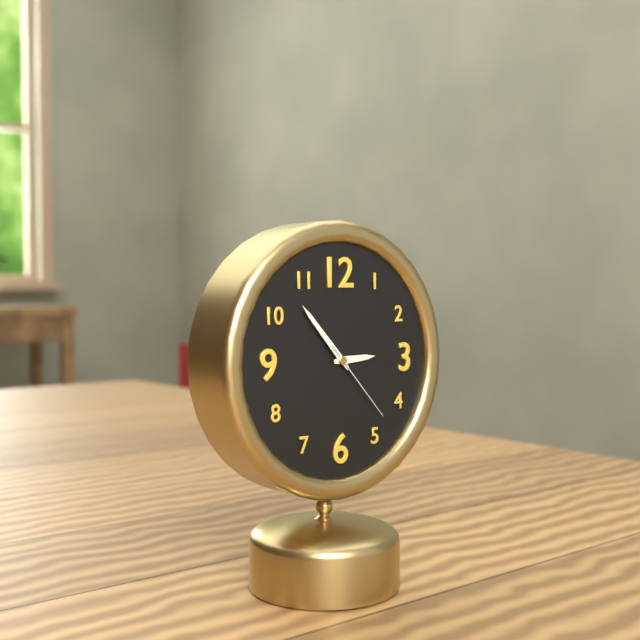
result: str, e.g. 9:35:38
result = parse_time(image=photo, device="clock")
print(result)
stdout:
2:53:23
